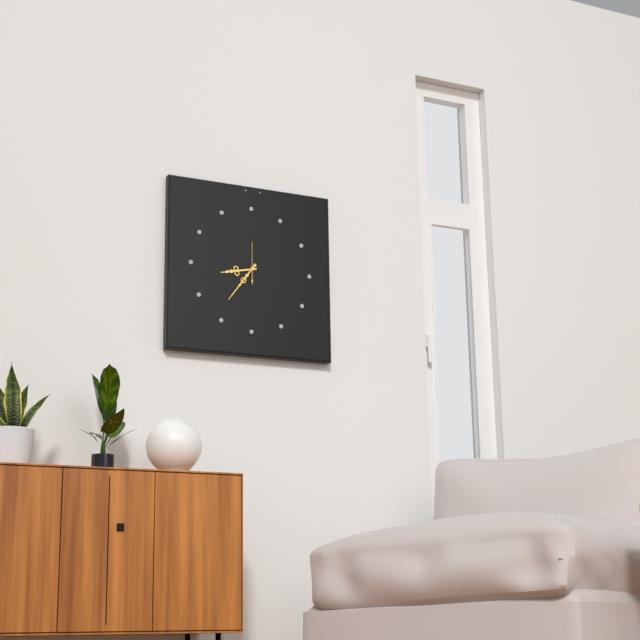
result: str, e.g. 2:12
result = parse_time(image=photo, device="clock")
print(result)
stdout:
8:36
